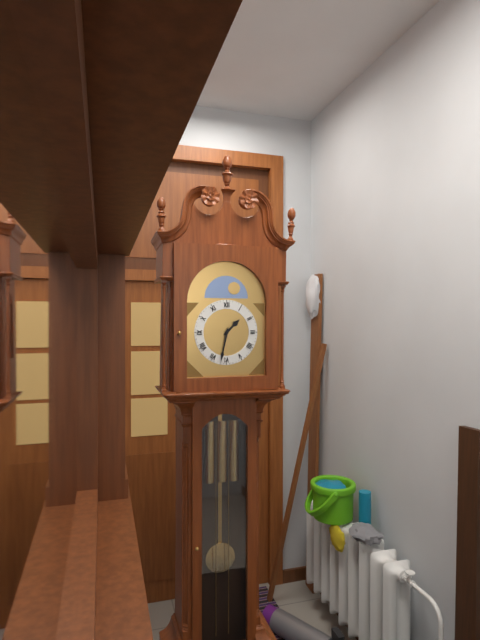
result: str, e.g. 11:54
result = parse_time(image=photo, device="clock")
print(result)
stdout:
1:32
